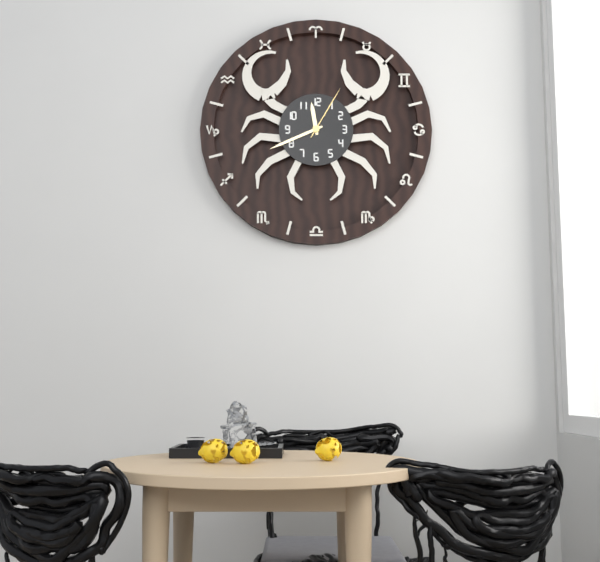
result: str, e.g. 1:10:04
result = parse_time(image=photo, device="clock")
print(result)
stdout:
11:41:05
